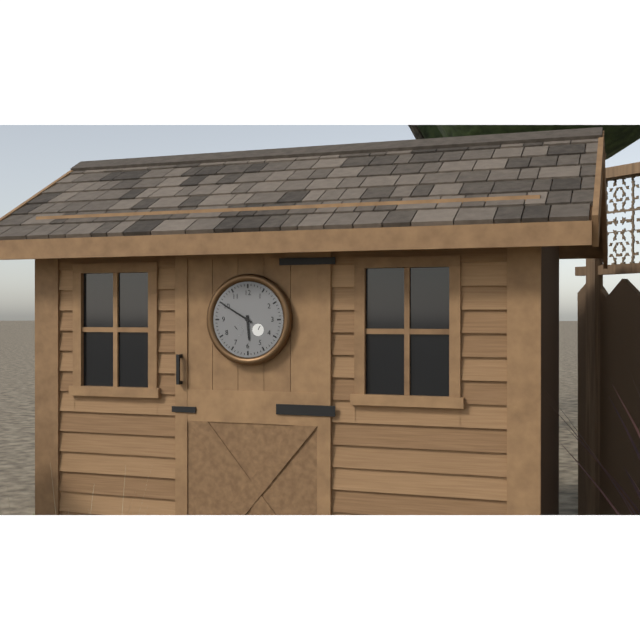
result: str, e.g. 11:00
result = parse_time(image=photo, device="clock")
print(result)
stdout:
5:50
